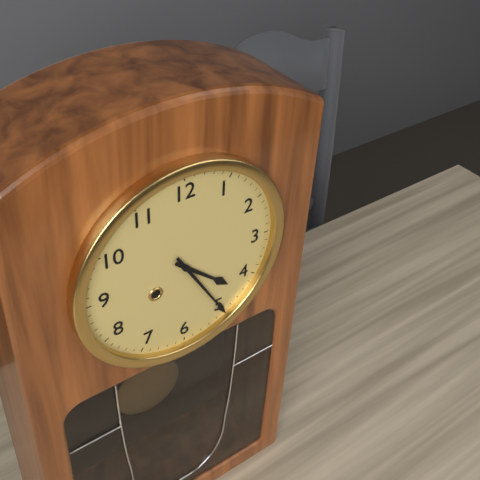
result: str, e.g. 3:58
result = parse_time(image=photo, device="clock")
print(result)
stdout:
4:25
